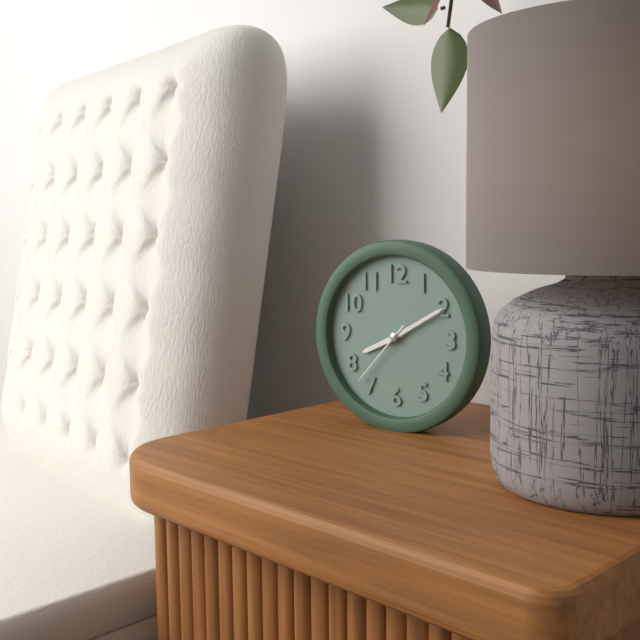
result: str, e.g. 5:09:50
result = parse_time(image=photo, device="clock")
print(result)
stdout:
8:10:37
